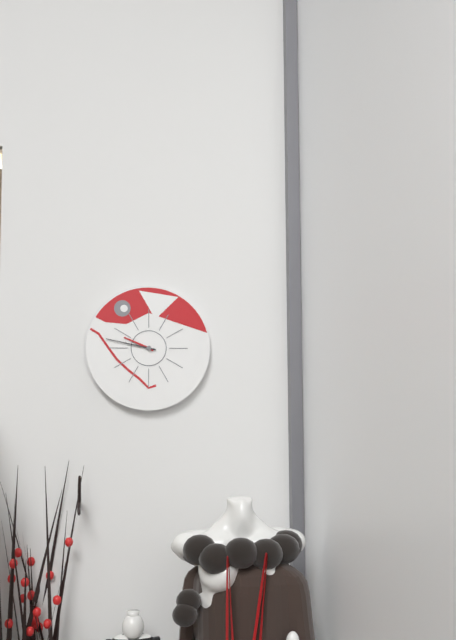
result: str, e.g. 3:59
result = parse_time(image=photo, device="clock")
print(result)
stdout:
9:47
